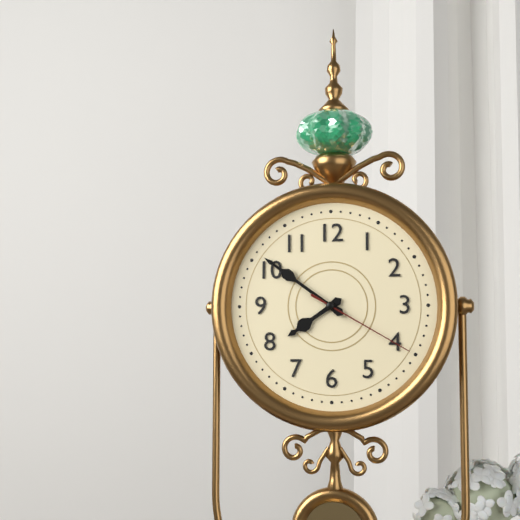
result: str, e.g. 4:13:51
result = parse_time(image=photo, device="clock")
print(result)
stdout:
7:51:20
